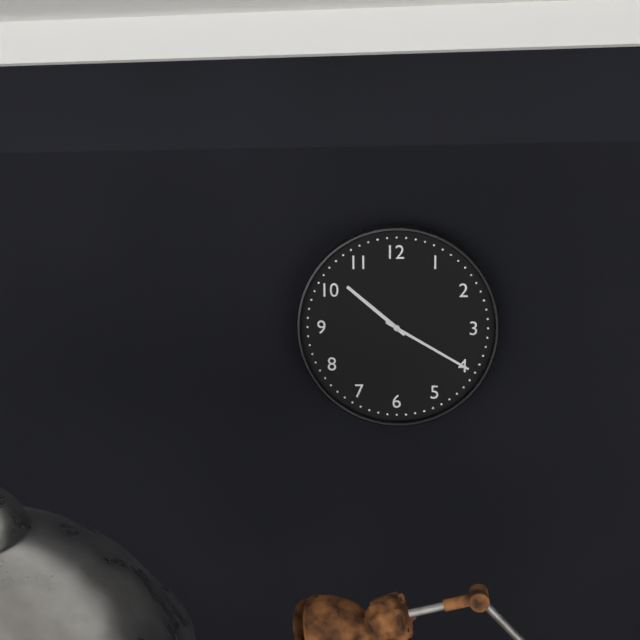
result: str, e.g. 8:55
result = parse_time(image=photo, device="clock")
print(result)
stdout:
10:20
